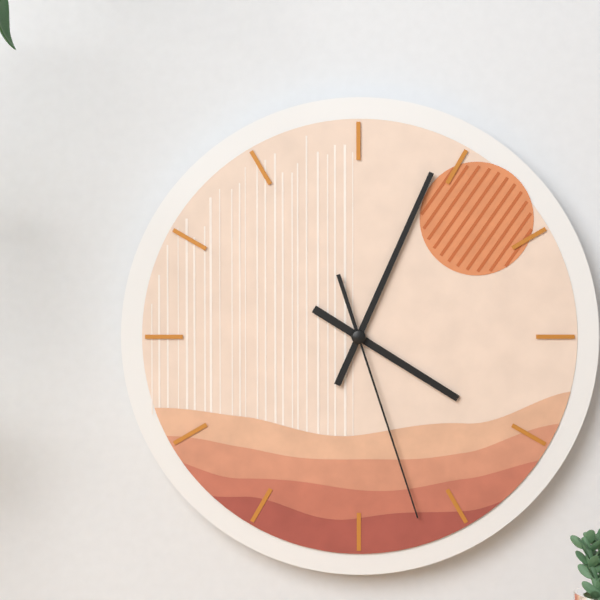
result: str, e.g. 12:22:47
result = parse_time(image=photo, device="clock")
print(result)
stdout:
4:04:27
